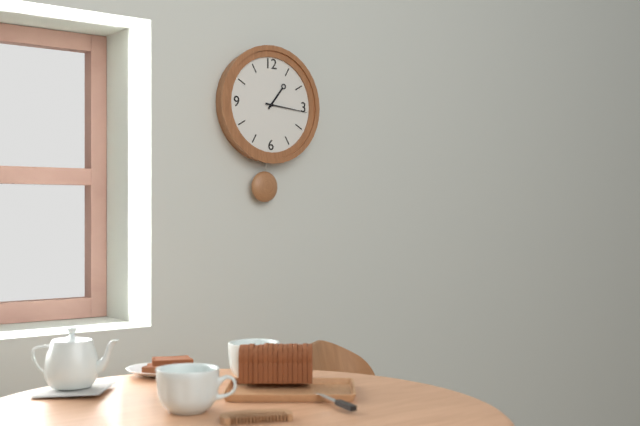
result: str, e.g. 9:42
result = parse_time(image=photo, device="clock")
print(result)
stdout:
1:16
